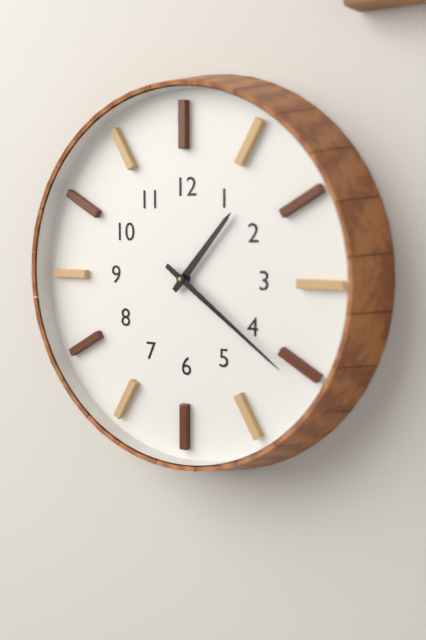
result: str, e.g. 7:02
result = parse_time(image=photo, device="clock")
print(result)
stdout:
1:21
